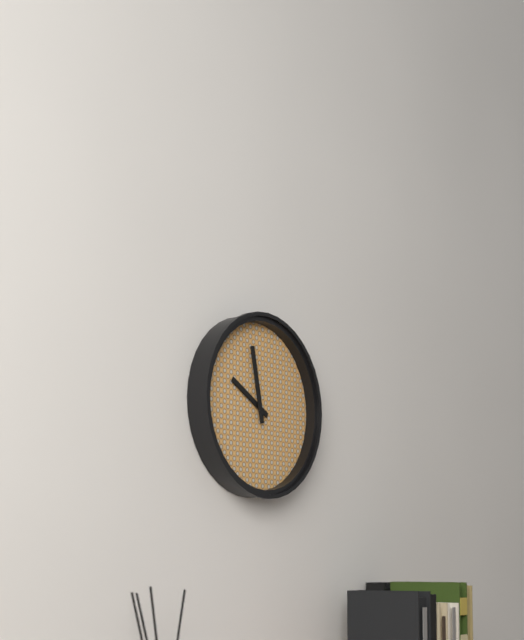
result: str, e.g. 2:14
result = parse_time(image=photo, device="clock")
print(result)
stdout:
9:58
